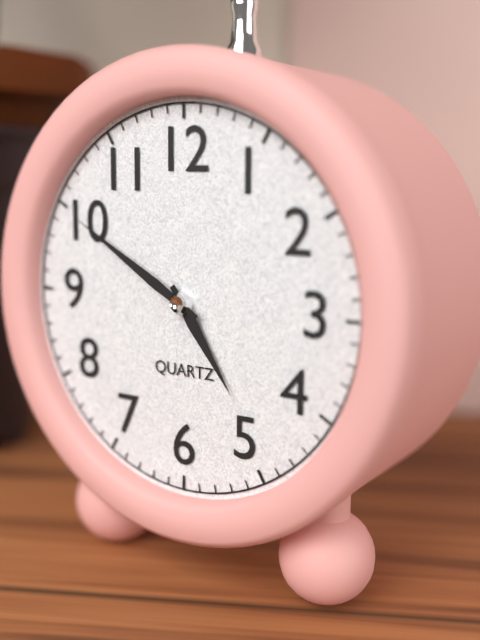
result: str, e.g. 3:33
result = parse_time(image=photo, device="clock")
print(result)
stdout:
4:50
